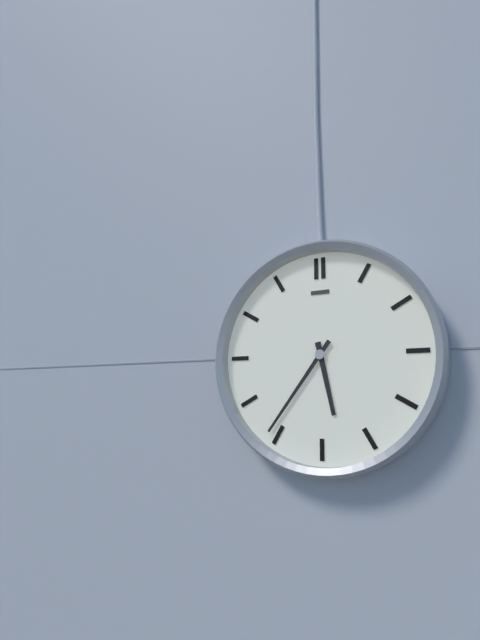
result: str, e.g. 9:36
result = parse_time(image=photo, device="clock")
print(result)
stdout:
5:36
